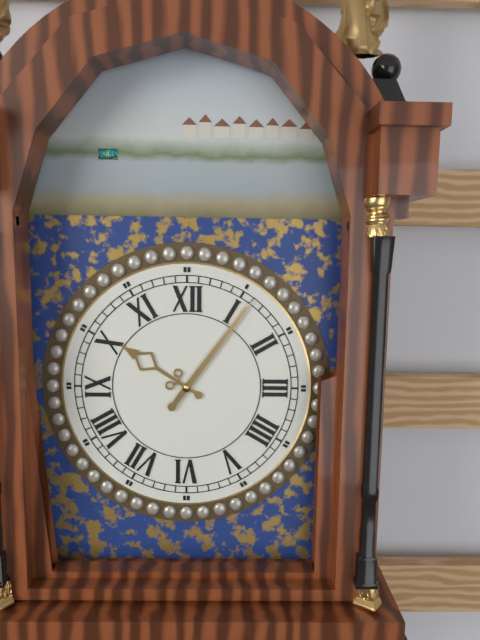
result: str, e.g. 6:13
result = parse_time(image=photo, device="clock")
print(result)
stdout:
10:06
